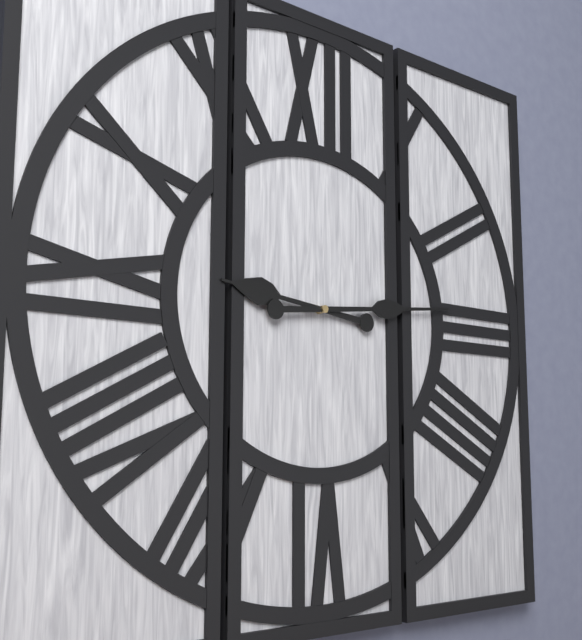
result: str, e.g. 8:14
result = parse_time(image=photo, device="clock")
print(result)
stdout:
9:14
